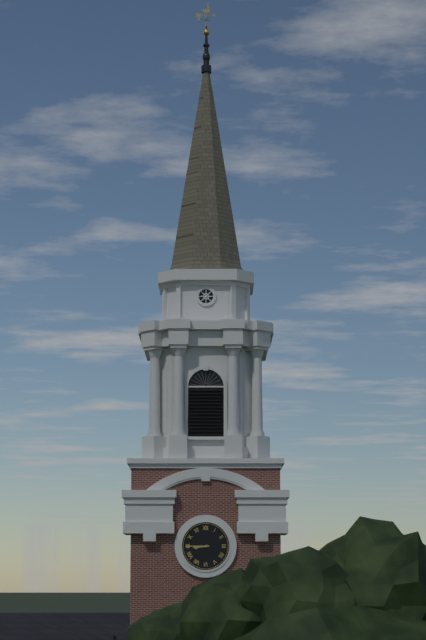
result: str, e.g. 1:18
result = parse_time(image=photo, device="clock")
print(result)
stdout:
8:45
